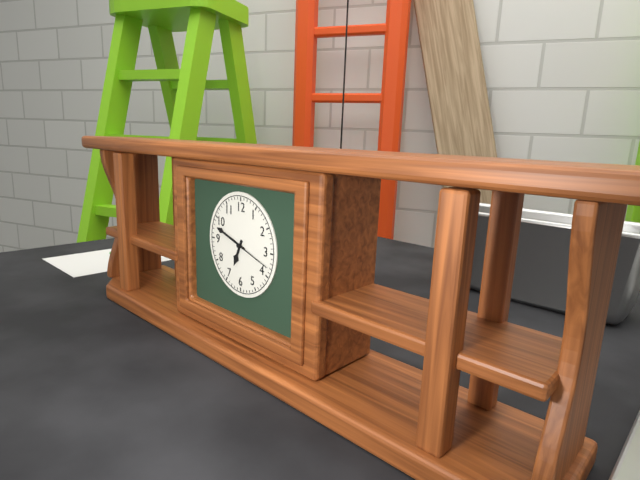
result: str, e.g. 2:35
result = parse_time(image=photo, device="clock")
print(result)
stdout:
6:48
